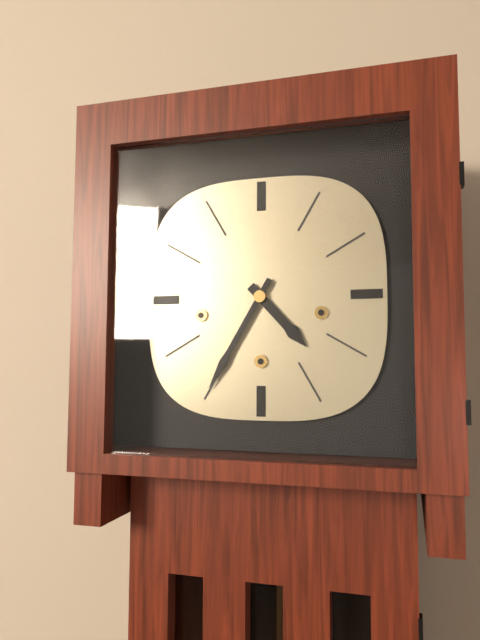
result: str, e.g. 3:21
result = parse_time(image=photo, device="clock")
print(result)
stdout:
4:35
